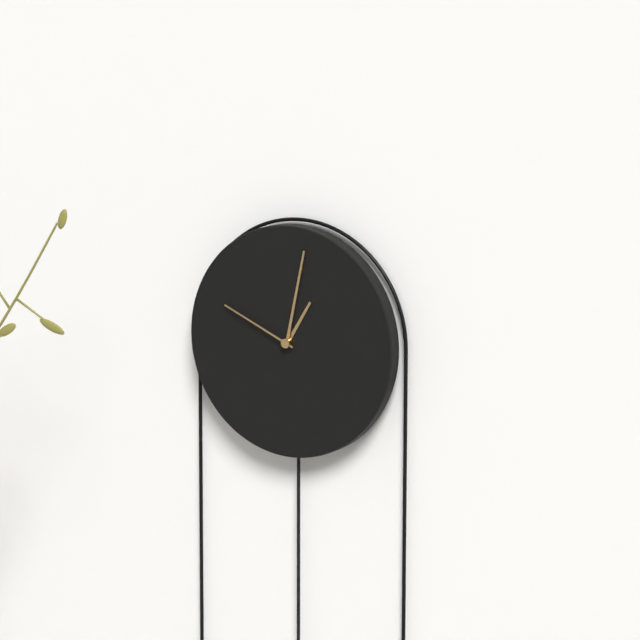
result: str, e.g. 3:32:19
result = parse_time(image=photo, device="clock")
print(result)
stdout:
1:02:49
